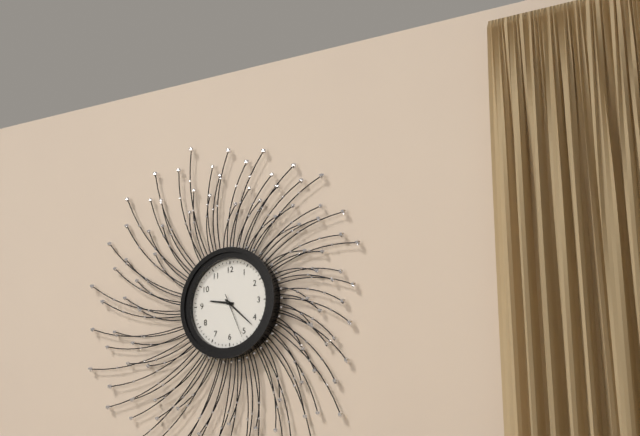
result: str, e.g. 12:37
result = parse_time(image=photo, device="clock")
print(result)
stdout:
9:22
